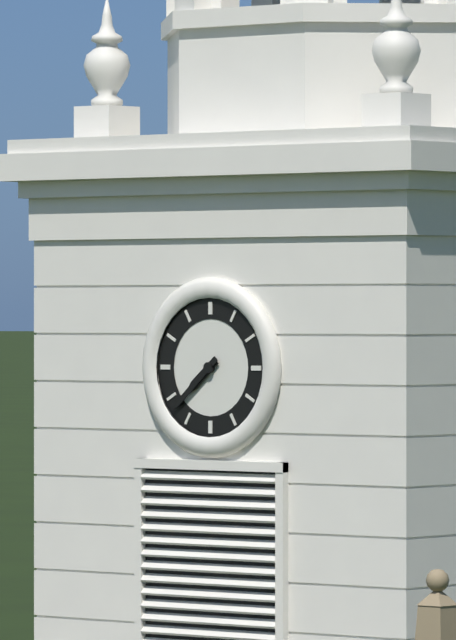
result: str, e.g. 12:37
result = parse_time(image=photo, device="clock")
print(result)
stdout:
7:38
